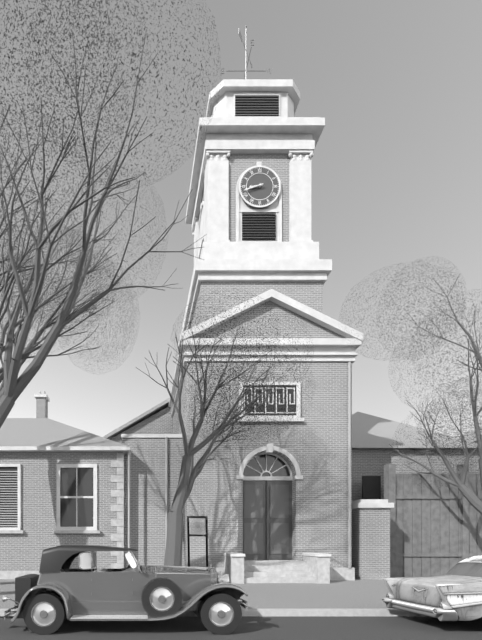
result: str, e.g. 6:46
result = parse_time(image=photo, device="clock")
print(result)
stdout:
8:42
